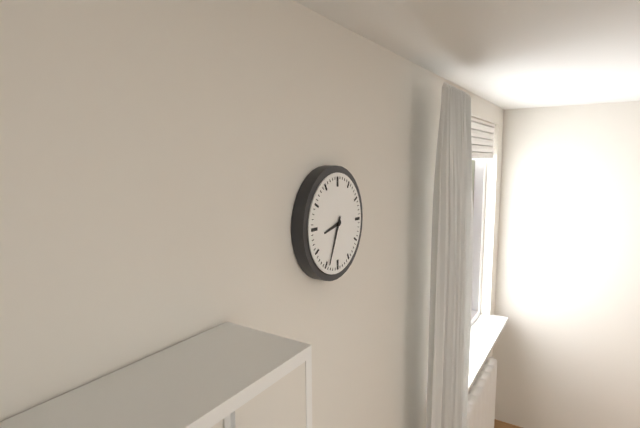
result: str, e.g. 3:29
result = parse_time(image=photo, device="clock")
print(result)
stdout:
8:34
